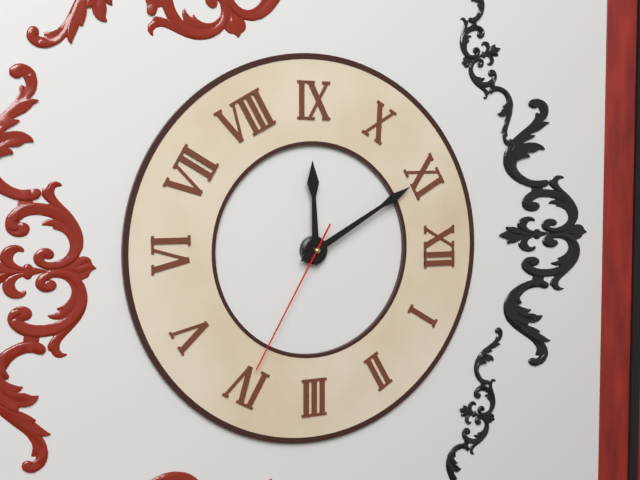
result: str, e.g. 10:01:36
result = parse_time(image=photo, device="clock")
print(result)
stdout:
8:55:20
